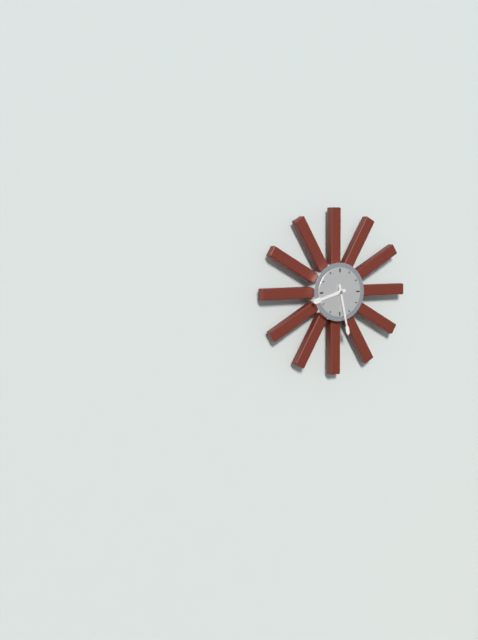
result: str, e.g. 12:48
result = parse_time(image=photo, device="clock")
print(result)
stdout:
8:28
